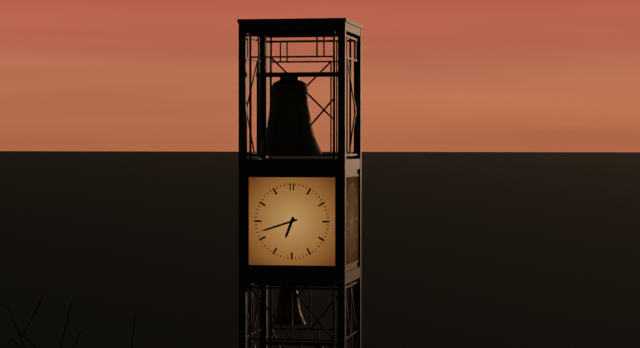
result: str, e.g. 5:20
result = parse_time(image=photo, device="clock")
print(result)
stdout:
6:42
